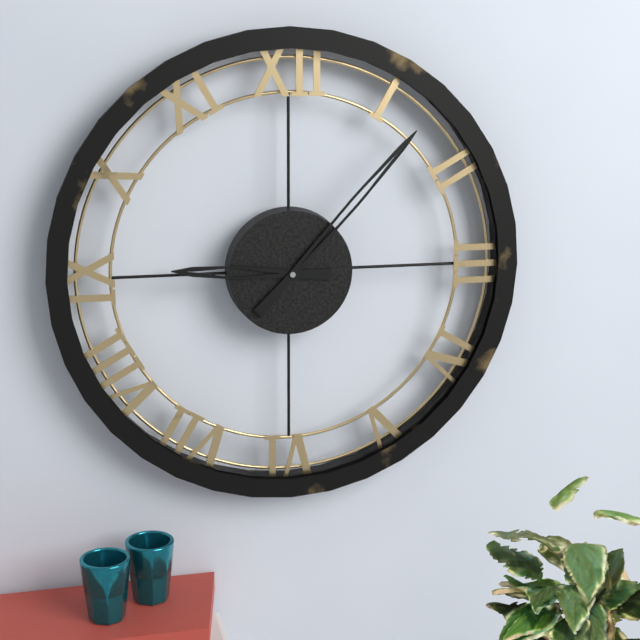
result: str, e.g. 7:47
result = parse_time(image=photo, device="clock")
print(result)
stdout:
9:07
